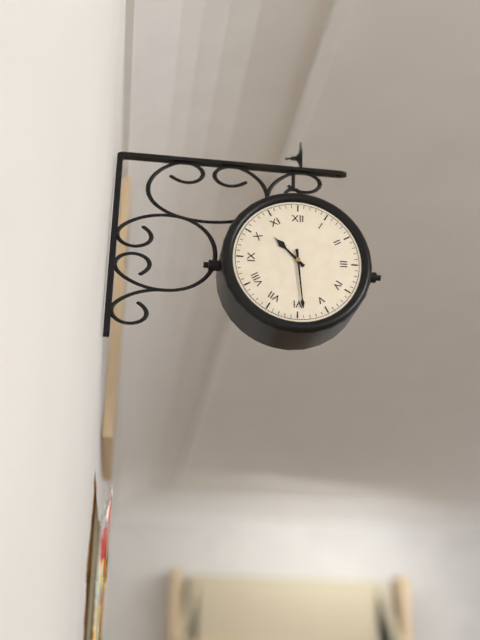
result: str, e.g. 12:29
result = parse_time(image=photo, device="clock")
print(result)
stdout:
10:29
